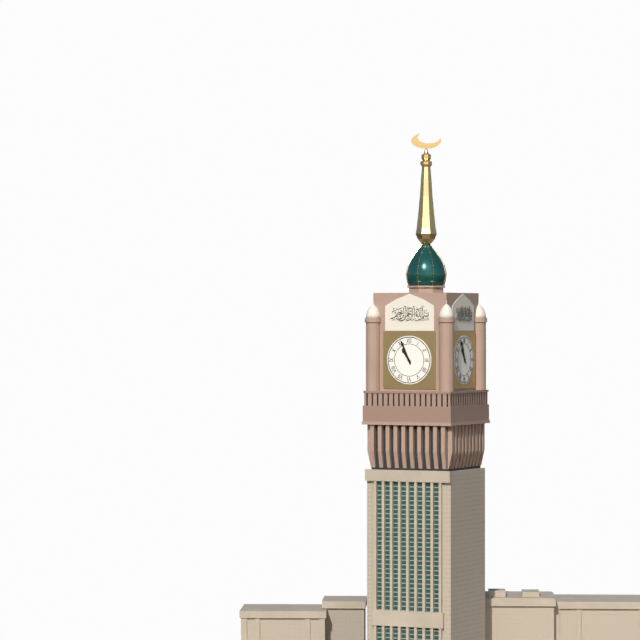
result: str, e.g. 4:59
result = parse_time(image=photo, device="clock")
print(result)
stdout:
10:56
